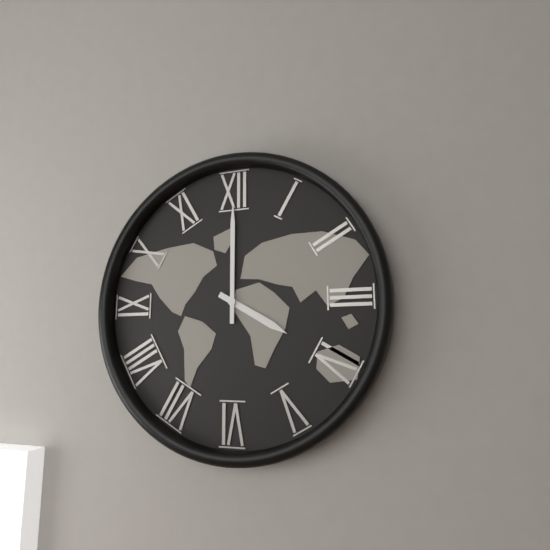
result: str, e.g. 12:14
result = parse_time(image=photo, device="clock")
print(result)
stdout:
4:00
